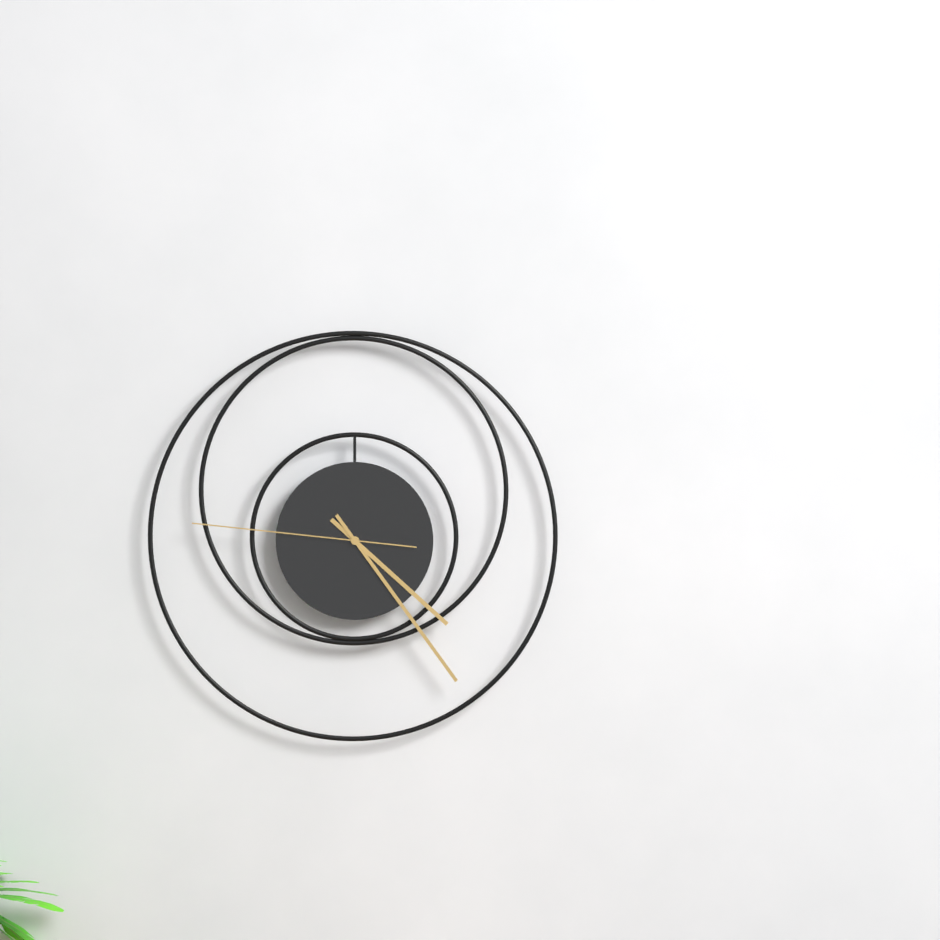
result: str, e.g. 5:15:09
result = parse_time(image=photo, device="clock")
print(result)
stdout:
4:24:46
